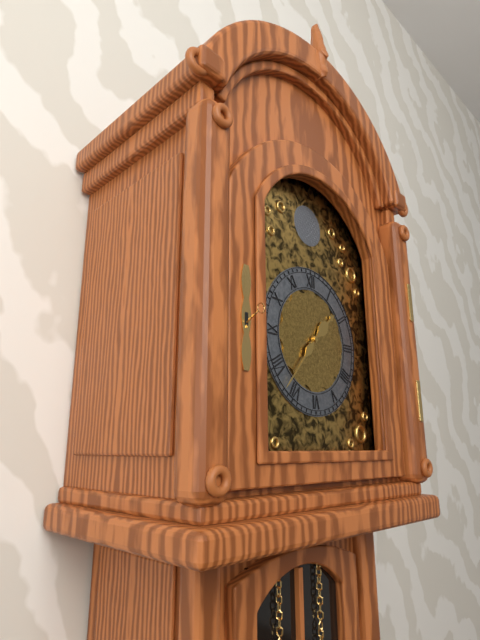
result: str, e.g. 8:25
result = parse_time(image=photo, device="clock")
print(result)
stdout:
1:37
